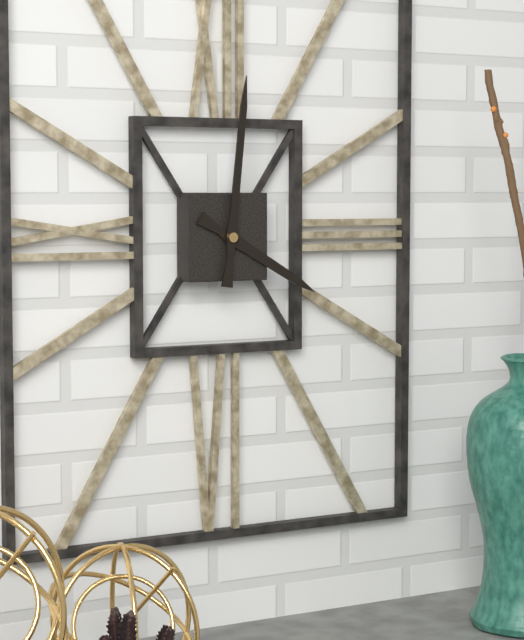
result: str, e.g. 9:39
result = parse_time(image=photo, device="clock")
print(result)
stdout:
4:01
